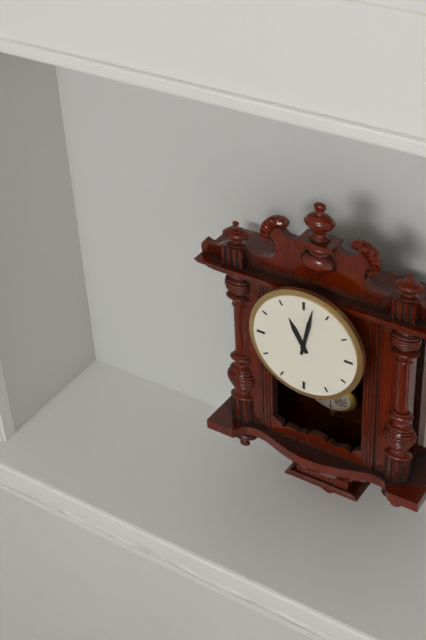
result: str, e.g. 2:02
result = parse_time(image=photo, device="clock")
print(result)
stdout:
11:02
